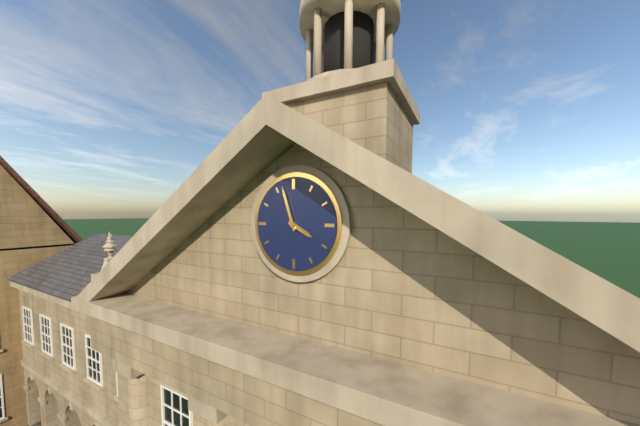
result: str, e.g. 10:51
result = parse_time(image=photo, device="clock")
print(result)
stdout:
3:57
